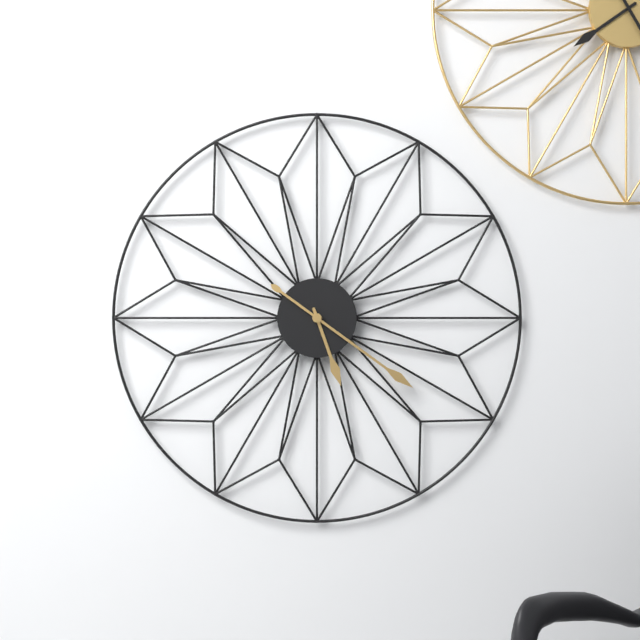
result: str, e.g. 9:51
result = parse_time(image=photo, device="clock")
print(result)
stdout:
5:21
